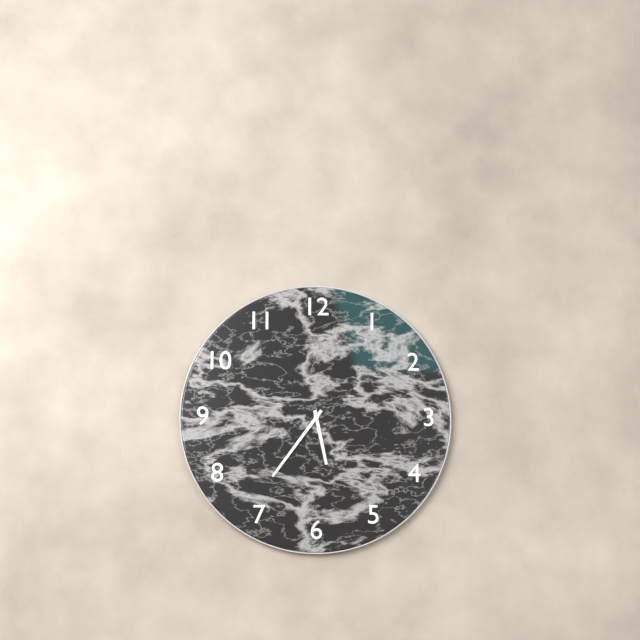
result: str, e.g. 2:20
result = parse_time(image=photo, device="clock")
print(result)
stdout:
5:36
